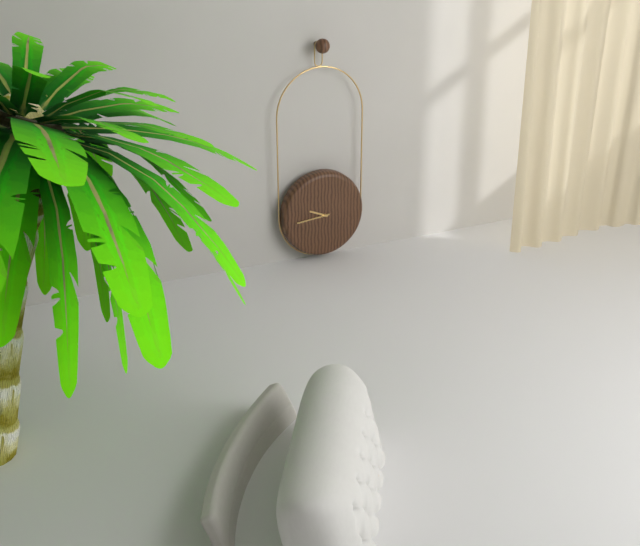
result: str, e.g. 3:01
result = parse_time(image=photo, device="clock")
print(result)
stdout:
9:44
